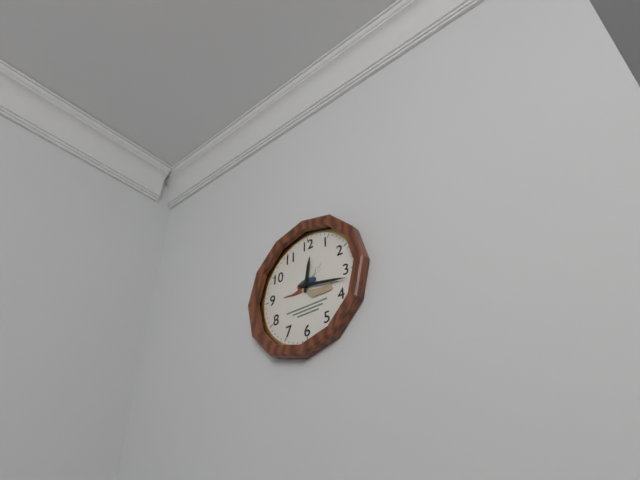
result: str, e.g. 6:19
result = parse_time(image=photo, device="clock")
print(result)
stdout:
12:17
